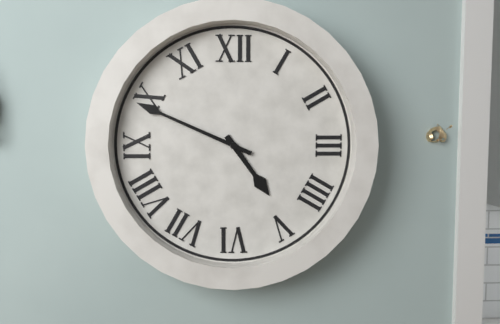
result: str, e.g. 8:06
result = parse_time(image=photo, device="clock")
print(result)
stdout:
4:49
